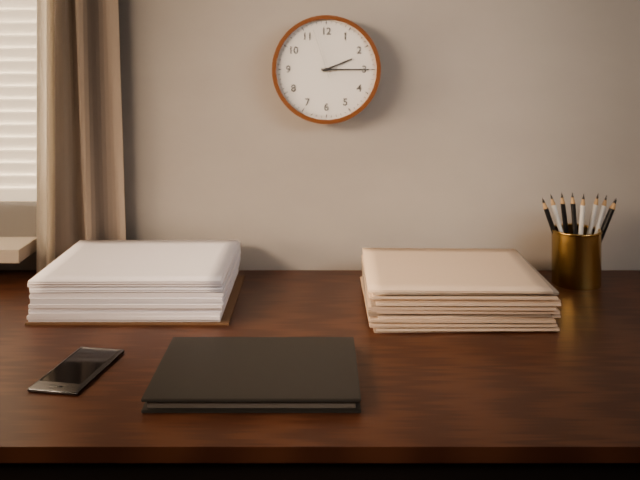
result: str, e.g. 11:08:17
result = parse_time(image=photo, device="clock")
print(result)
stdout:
2:15:57
